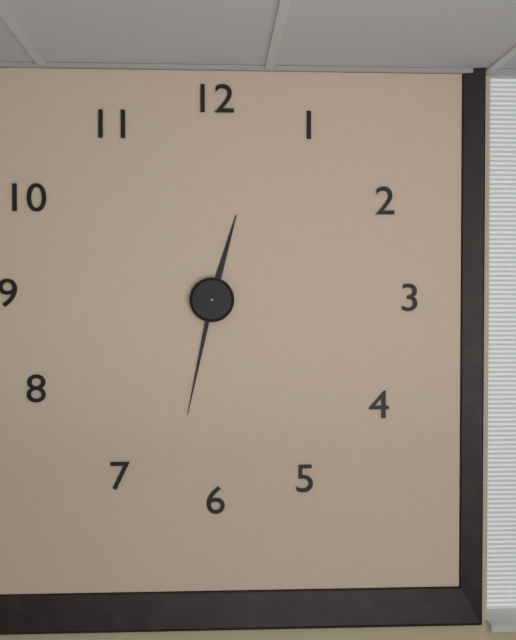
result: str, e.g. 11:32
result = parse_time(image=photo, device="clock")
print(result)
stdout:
12:32
